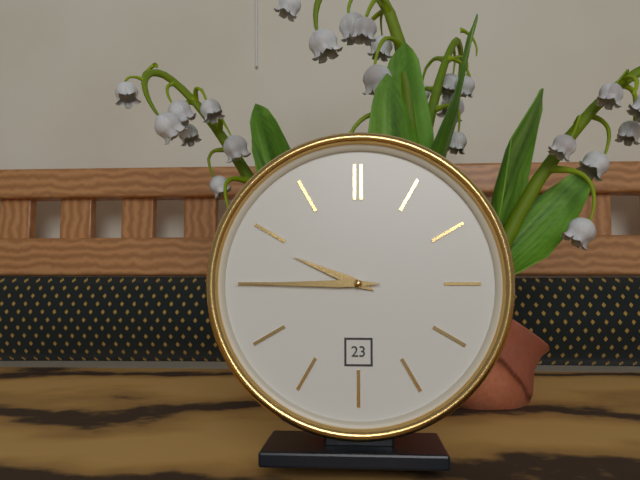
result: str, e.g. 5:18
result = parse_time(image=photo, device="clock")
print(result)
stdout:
9:45
